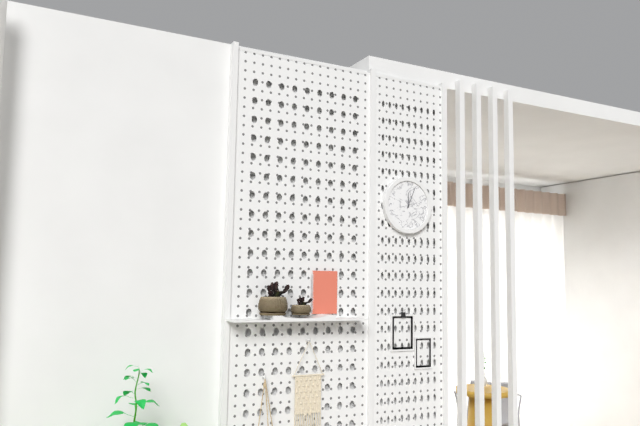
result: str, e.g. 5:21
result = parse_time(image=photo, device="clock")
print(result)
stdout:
12:04
